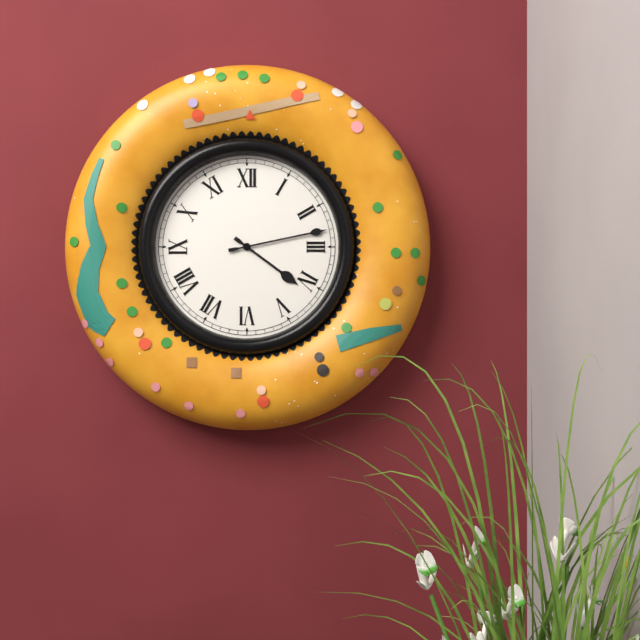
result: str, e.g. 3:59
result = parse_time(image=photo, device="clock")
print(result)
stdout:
4:13
